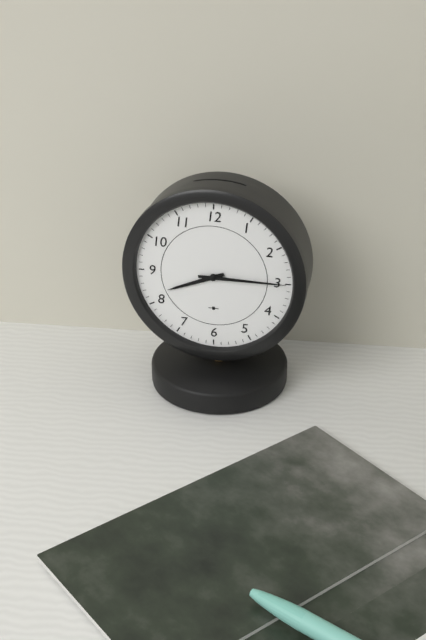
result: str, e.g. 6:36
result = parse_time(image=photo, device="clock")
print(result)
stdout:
8:15
